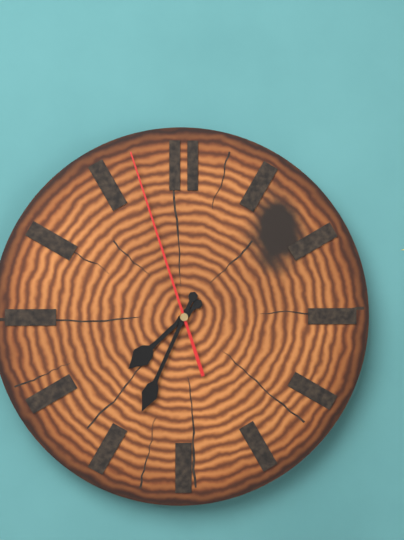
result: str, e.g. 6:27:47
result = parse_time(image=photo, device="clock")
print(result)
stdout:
7:34:57
